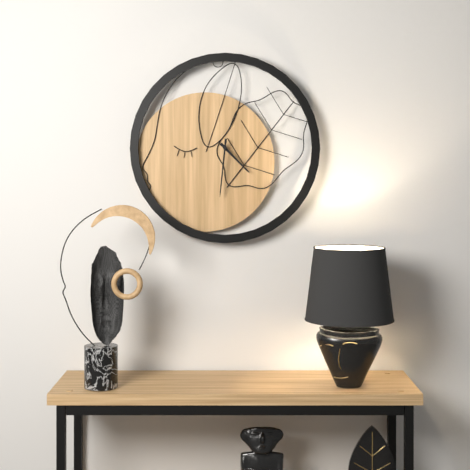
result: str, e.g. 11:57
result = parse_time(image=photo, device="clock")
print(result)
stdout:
4:31
